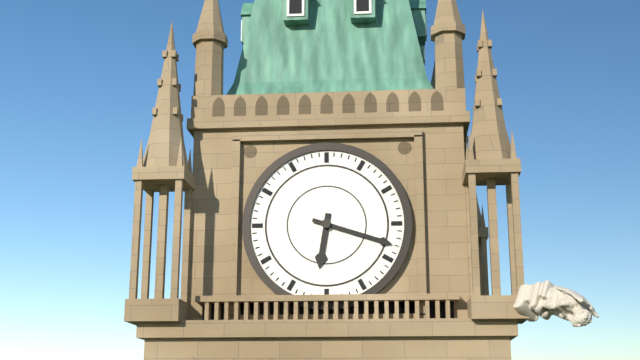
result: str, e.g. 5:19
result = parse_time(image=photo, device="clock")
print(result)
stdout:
6:18
